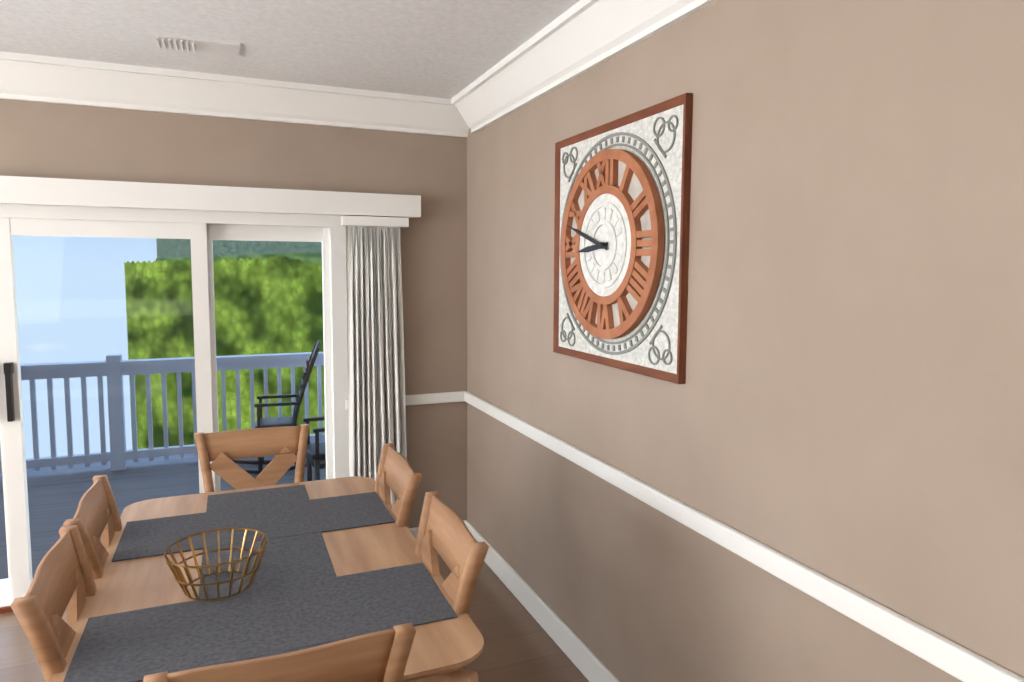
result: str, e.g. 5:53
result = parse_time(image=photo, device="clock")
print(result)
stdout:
8:48
